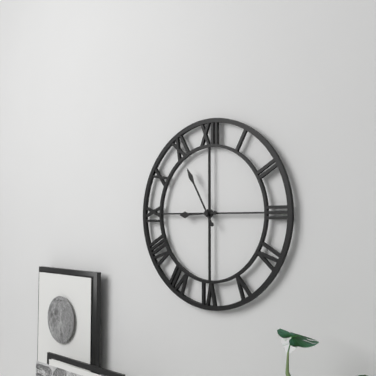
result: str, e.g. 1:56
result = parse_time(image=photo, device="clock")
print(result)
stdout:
8:55
